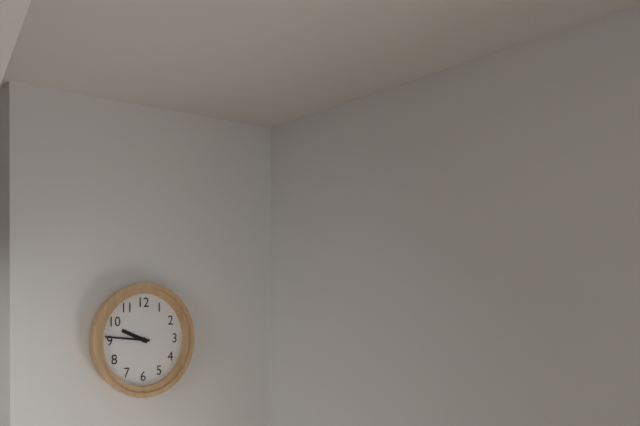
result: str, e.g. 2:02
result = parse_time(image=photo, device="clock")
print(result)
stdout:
9:46
